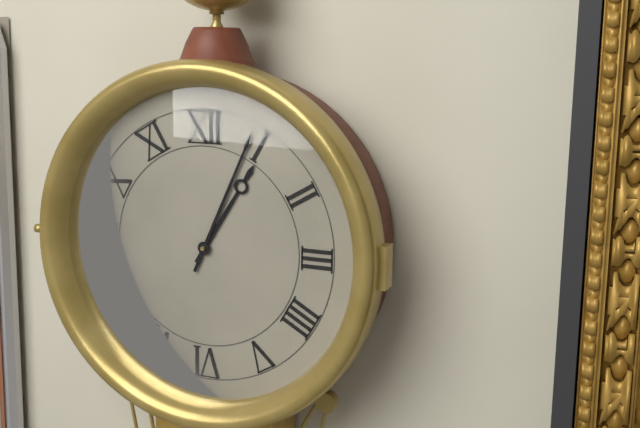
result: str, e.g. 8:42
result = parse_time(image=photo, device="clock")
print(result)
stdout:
1:04
